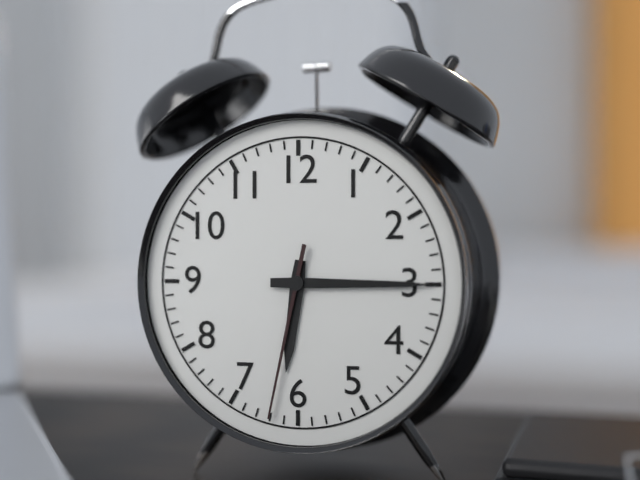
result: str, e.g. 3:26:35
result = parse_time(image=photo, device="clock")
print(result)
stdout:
6:15:32
